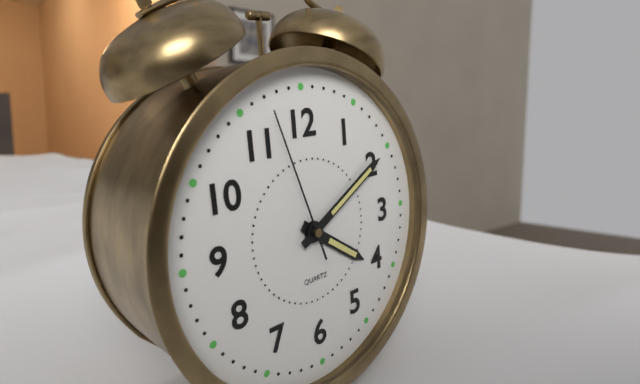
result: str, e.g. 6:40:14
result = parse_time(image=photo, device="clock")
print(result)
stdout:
4:10:57
